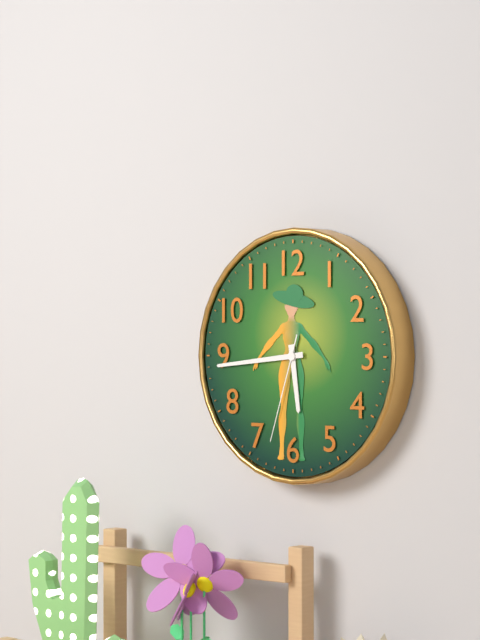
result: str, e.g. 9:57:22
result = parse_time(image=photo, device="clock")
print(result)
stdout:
5:44:33
